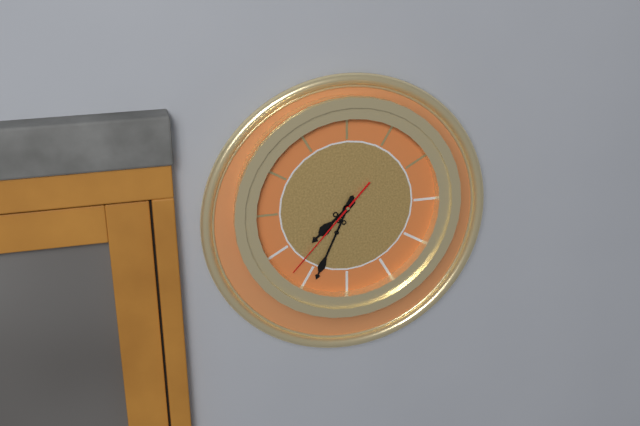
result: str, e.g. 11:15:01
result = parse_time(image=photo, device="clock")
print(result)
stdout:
7:34:37
